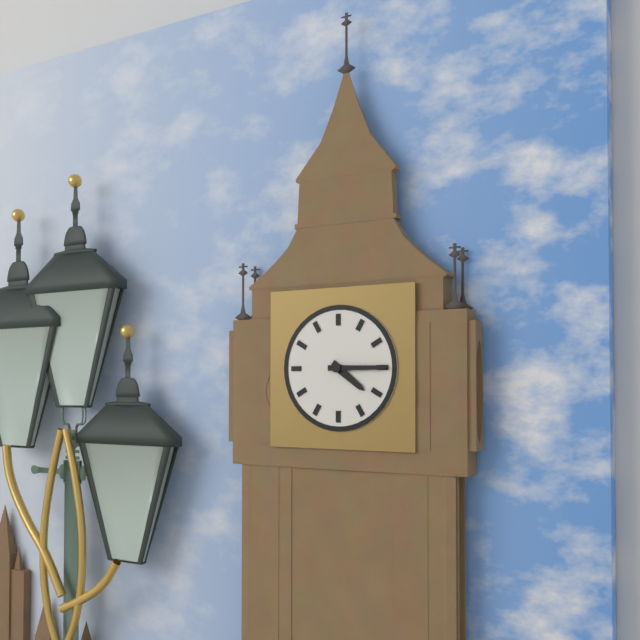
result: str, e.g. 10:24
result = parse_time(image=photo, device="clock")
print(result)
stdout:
4:15
